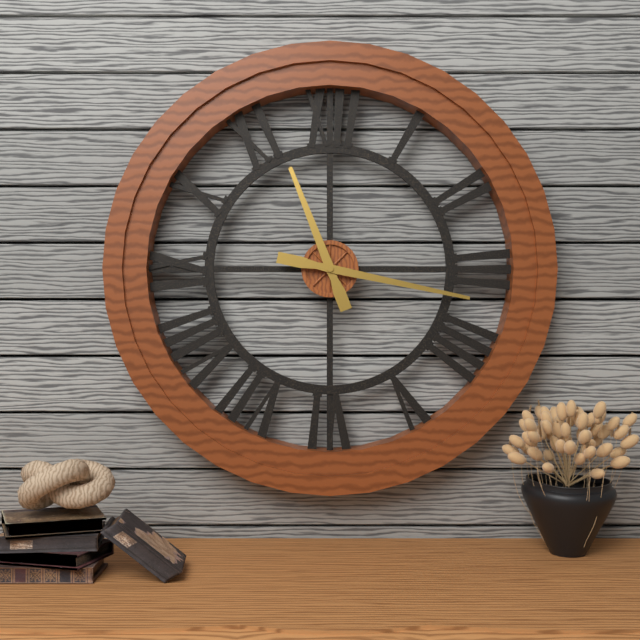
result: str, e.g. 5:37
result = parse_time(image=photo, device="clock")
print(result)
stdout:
11:17
